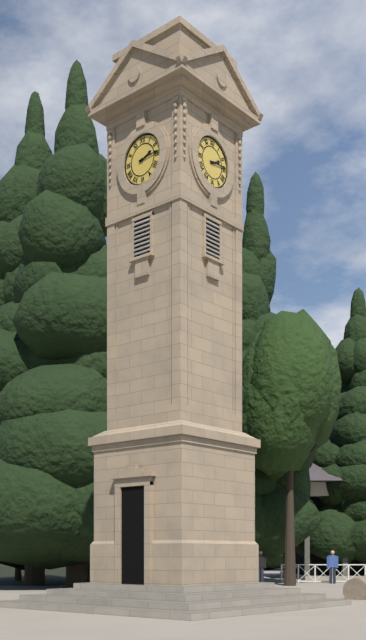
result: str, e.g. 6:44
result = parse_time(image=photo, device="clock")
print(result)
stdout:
2:14
